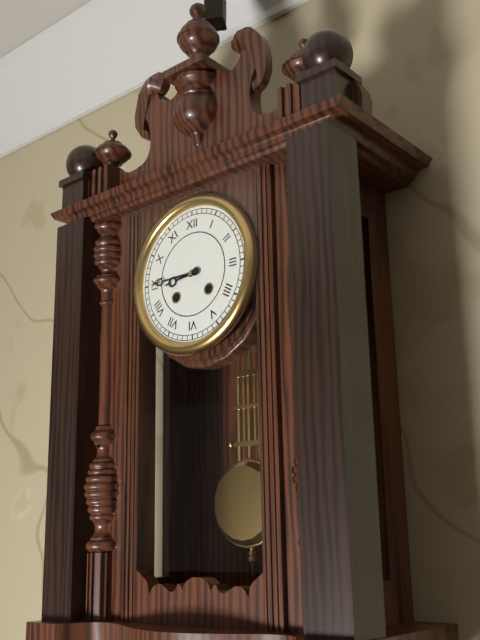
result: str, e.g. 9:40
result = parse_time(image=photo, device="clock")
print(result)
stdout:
8:45
